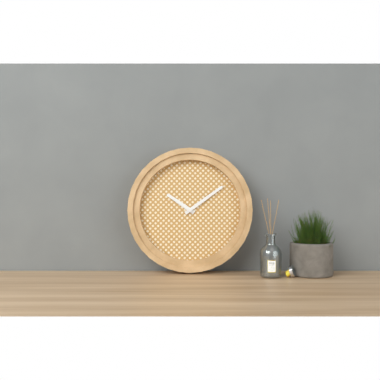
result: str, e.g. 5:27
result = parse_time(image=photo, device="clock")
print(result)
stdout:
10:09
